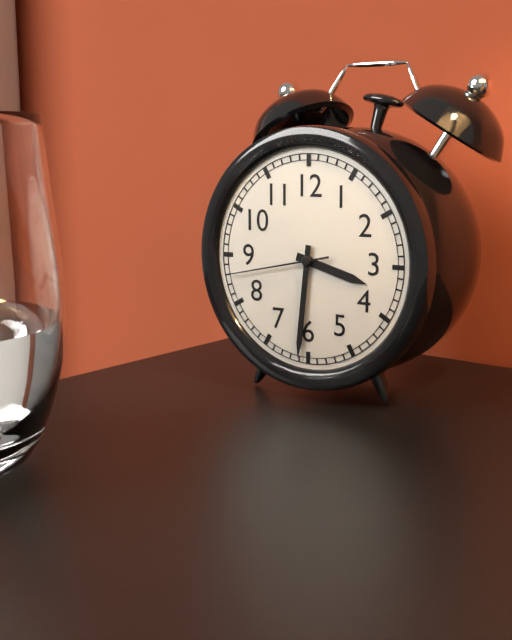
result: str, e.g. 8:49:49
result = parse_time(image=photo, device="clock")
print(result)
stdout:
3:31:43
